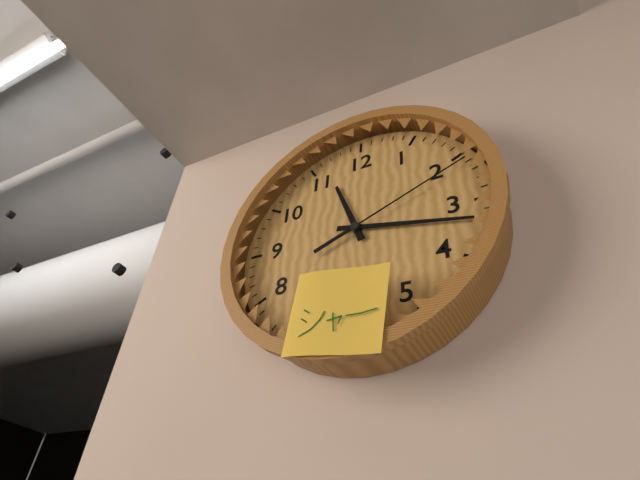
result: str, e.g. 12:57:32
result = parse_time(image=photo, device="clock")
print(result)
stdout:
11:17:11
